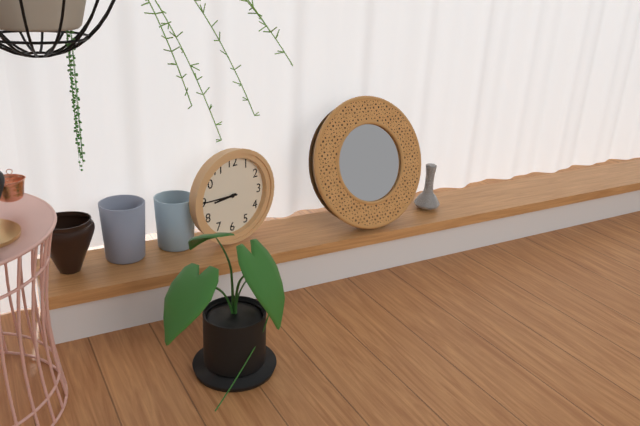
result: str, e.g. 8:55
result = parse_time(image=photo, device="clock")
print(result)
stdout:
8:45
